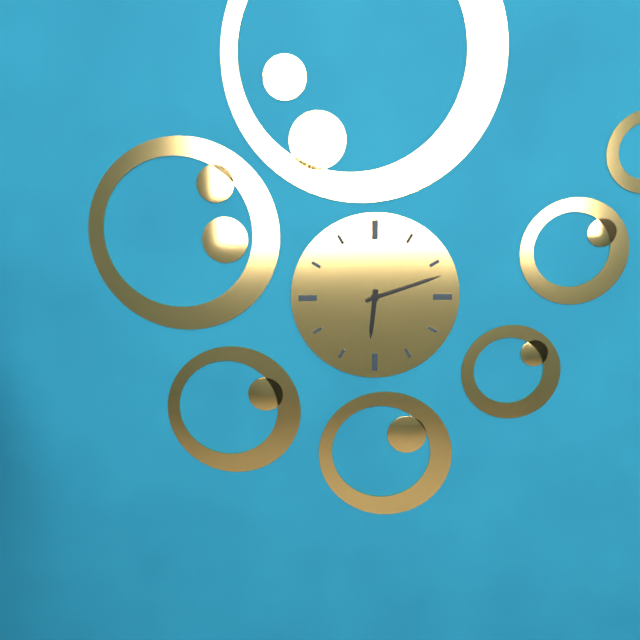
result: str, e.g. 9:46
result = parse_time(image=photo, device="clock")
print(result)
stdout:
6:12
